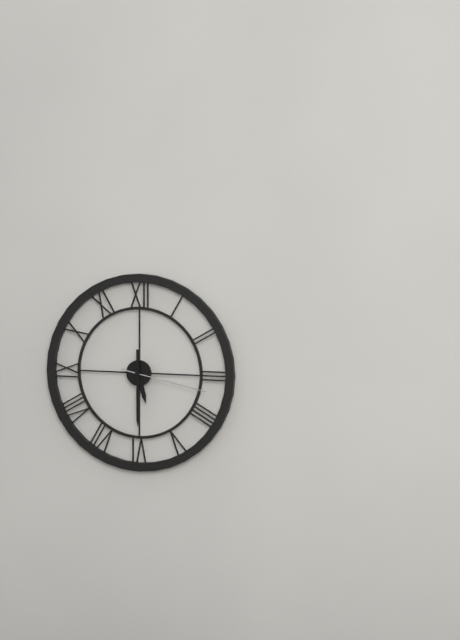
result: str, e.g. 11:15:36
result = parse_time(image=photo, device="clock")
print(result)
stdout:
5:30:17
